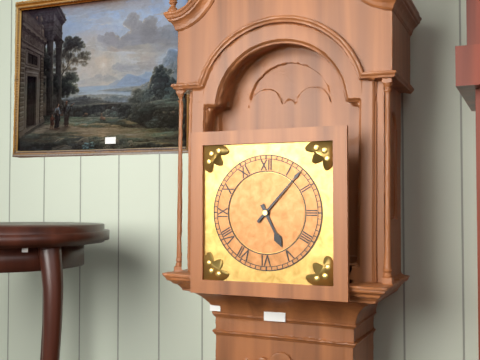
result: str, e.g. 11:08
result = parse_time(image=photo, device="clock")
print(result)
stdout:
5:07
